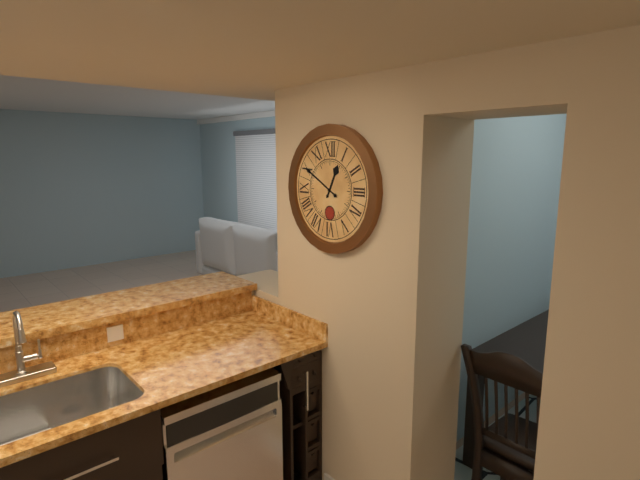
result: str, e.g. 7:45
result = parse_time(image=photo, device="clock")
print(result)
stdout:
12:50
